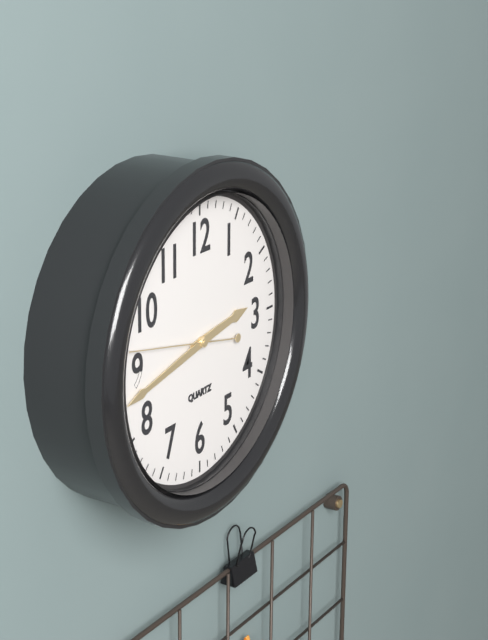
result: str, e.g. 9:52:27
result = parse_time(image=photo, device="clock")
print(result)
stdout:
2:43:47
